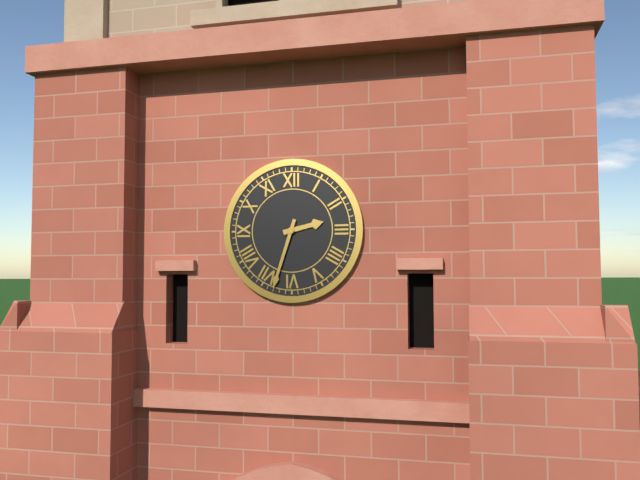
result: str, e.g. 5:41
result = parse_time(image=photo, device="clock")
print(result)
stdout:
2:33
